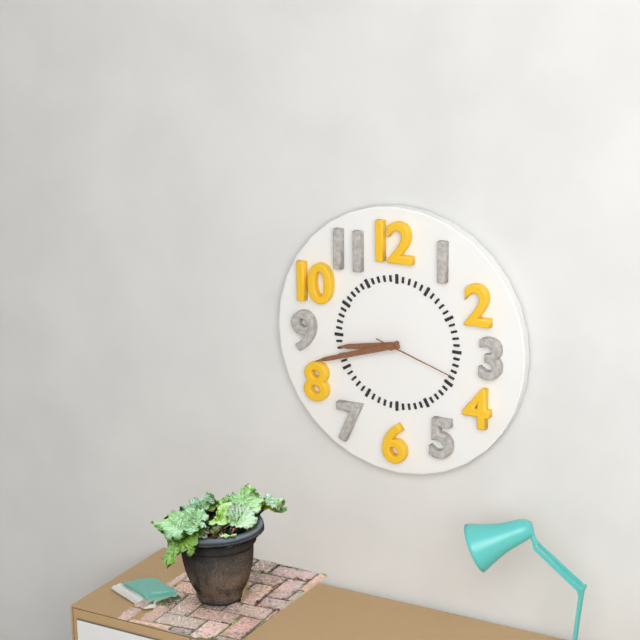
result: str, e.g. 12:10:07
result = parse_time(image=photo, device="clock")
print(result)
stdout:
8:42:18
